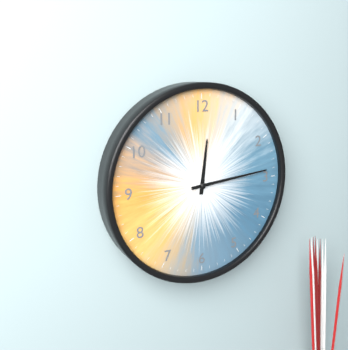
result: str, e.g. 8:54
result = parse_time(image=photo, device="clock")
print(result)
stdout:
12:14
